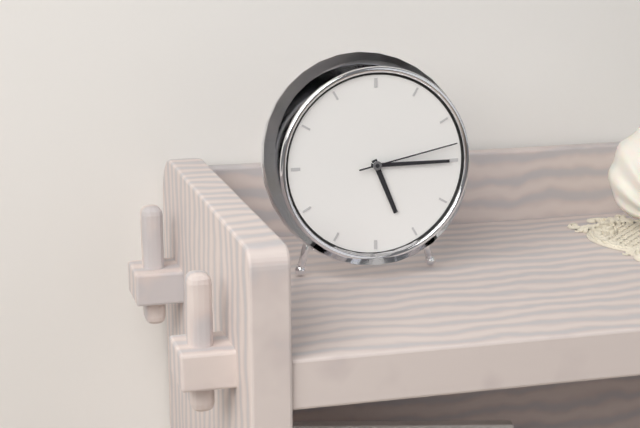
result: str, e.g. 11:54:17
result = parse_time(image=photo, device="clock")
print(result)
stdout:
5:15:13
